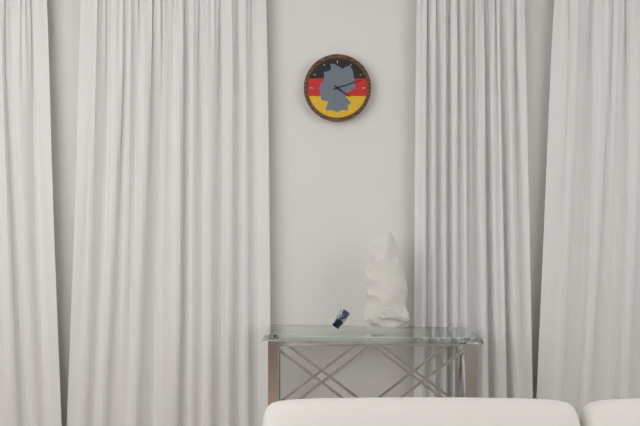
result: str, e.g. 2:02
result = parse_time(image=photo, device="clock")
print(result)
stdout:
4:12
